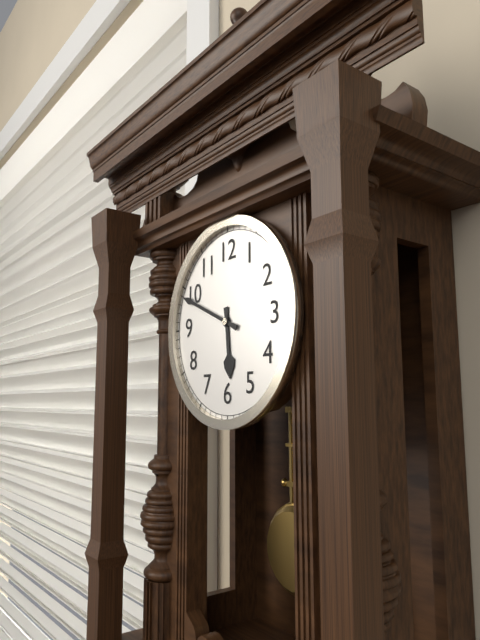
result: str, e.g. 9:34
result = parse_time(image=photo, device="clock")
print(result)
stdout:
5:49
